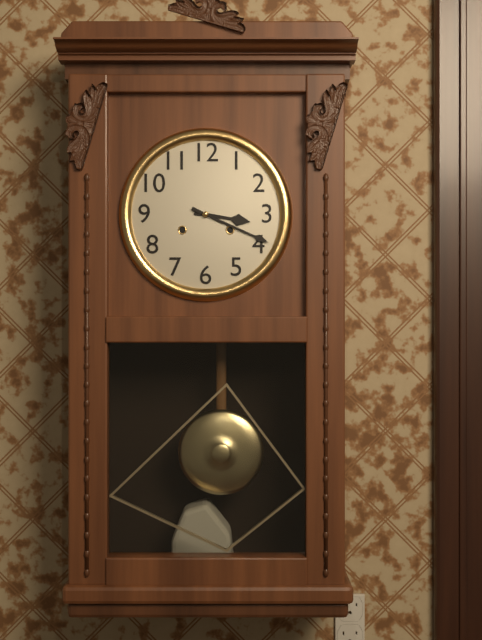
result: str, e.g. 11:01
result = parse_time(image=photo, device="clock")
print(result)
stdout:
3:19
